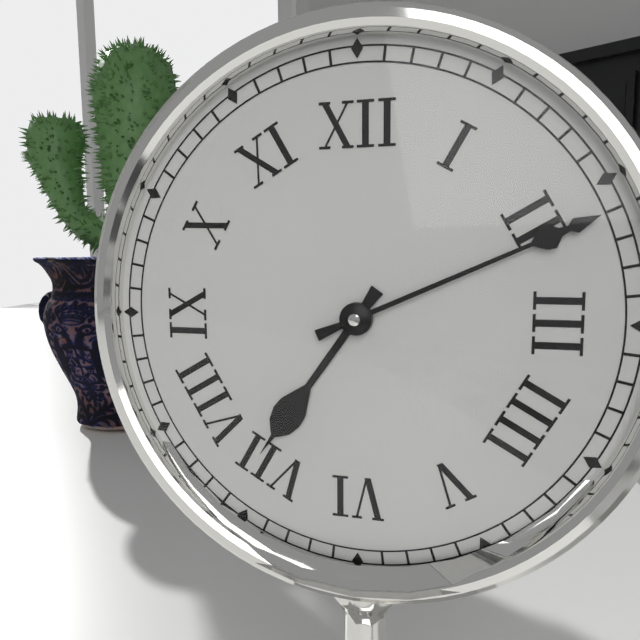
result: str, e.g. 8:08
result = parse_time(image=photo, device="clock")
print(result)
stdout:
7:11
